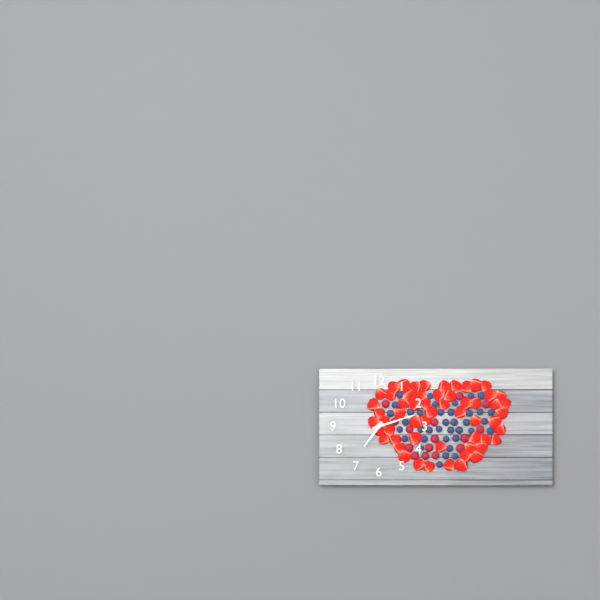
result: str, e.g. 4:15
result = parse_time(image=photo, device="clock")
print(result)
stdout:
7:12
